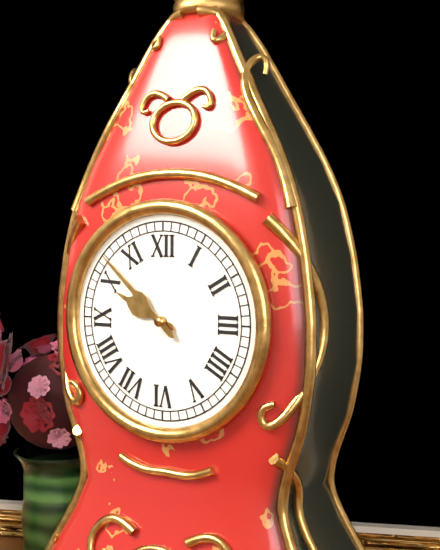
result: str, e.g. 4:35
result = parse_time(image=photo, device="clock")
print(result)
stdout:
9:52
